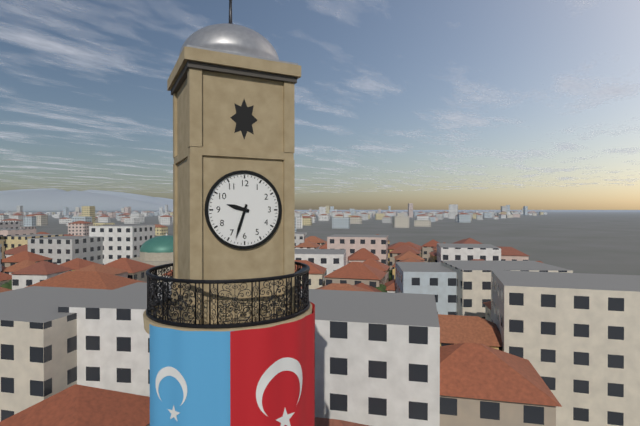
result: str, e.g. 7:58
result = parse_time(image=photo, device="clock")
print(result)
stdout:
9:33
